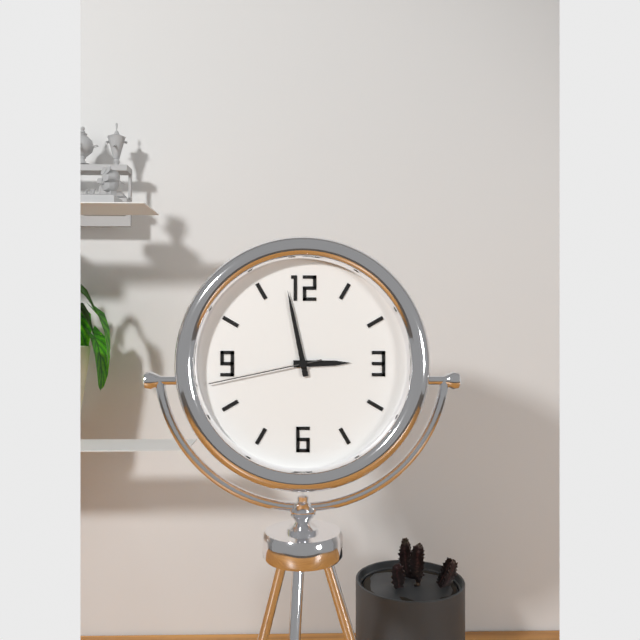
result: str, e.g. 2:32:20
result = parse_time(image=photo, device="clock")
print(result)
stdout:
2:58:43
